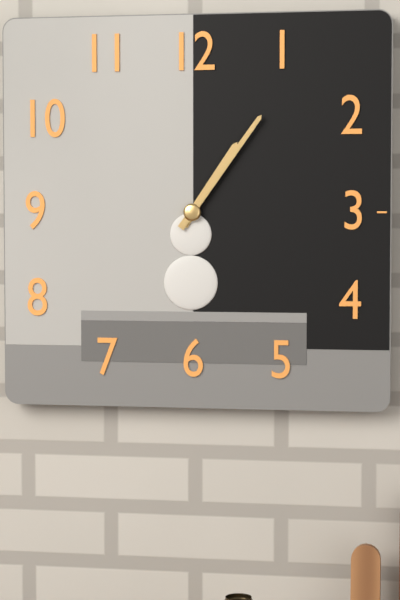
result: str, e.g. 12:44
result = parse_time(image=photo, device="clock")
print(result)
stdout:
1:06
